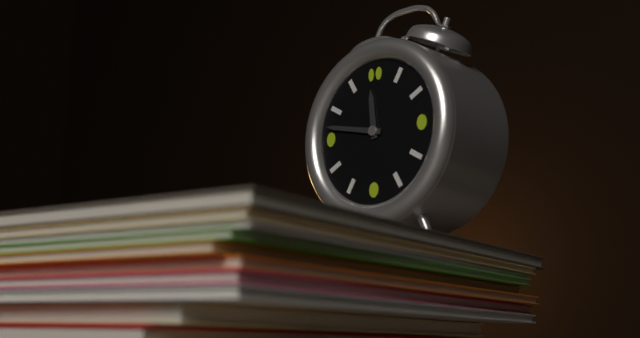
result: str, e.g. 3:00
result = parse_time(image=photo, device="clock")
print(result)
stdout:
11:47
